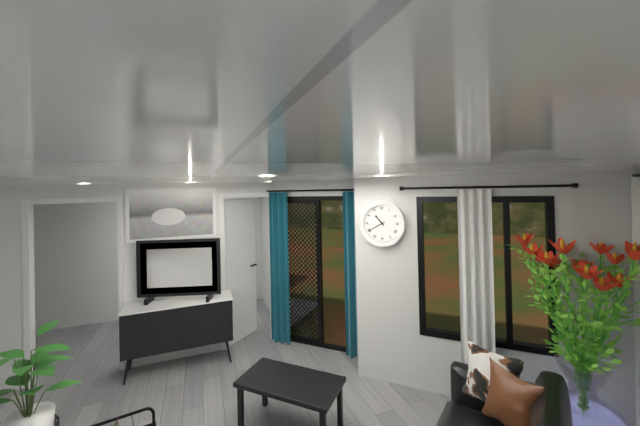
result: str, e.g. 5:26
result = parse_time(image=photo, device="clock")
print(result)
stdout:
10:40
